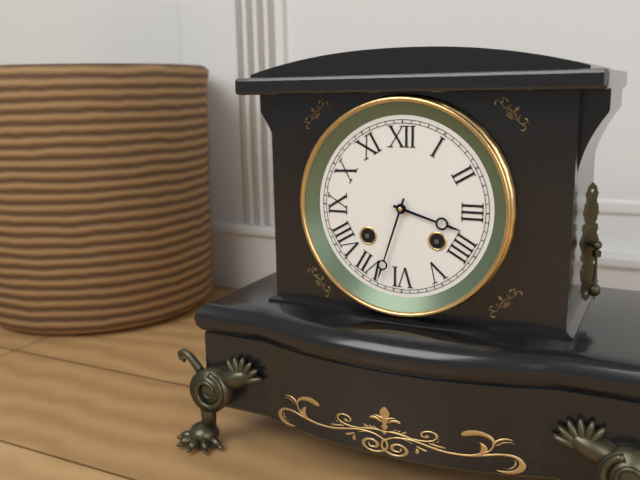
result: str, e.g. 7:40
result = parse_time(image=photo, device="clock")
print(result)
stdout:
3:33
